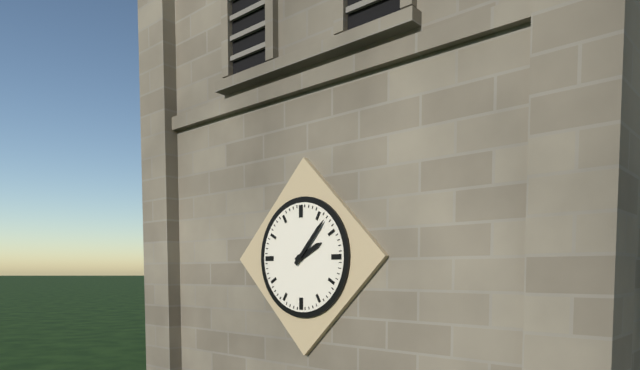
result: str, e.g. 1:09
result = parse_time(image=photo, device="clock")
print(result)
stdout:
2:07
